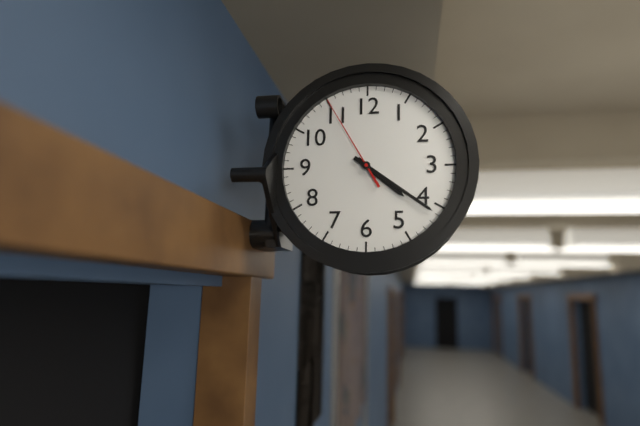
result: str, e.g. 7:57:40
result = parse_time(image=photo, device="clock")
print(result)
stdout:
4:21:55
